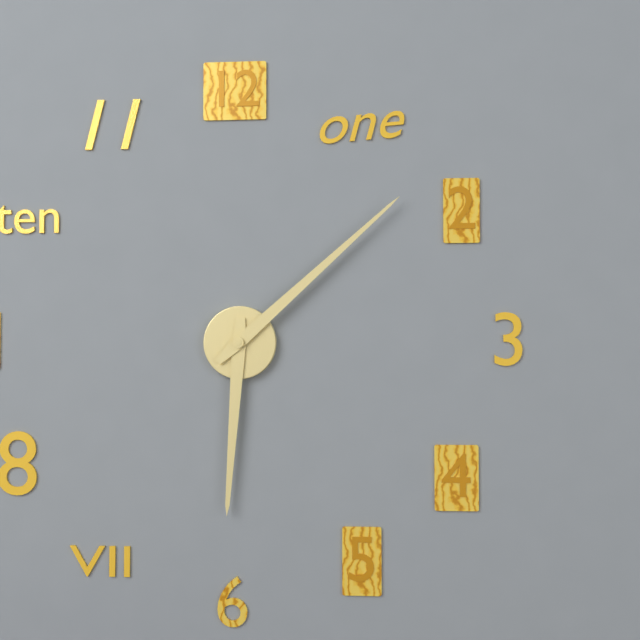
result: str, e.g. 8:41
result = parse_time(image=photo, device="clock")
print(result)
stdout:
6:08
